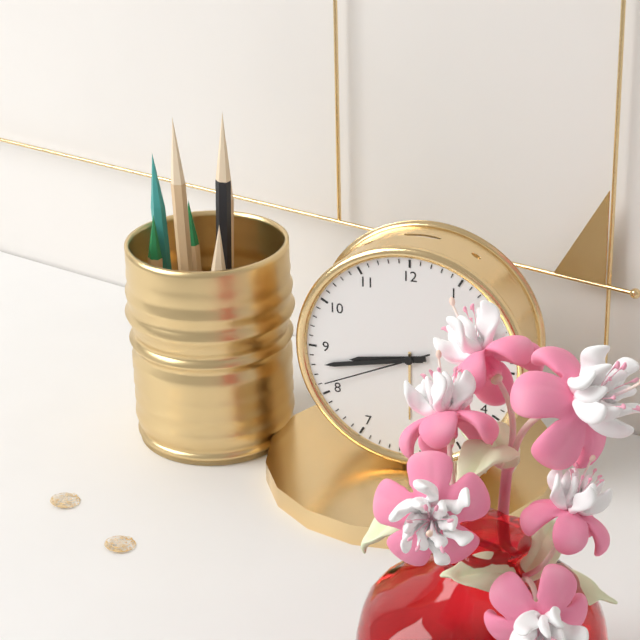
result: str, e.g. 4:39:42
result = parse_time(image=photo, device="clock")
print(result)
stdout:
8:43:41
